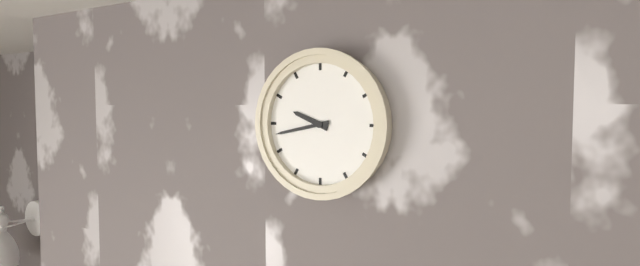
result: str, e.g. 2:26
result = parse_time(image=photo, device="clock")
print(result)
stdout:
9:43
